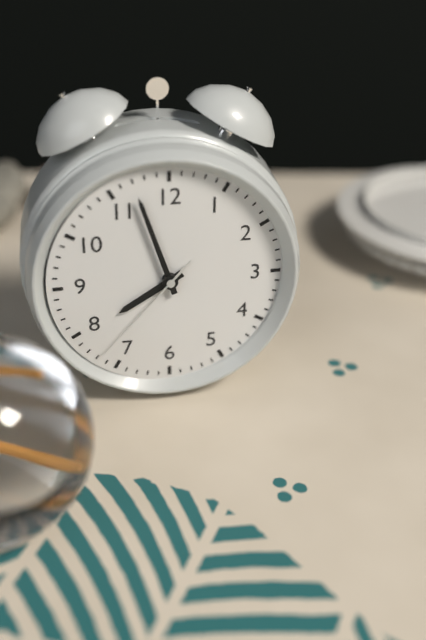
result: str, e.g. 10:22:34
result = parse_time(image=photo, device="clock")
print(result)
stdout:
7:57:37
